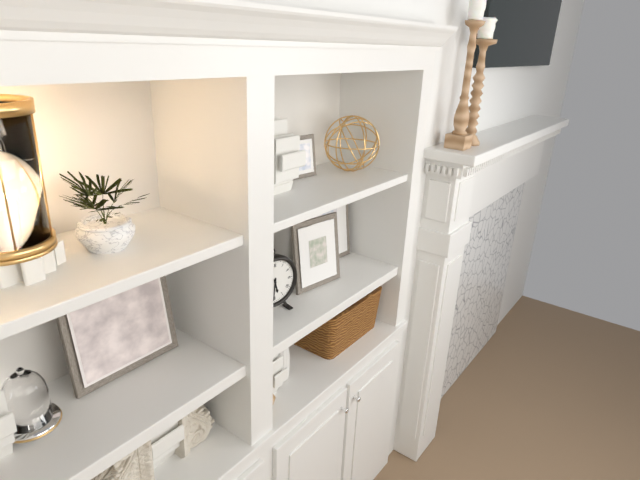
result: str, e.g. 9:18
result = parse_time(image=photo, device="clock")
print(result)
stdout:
5:31
